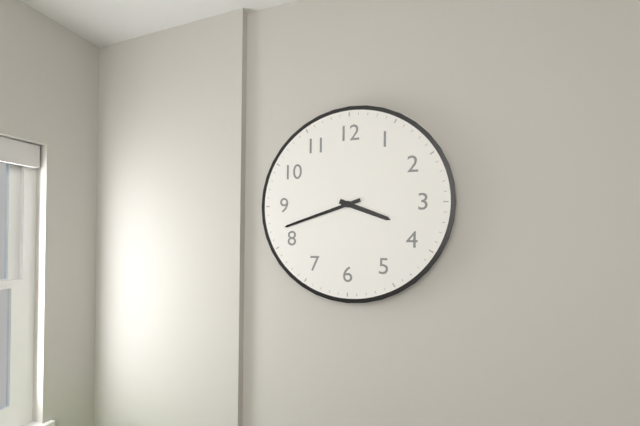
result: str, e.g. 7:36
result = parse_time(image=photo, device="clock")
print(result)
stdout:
3:42
